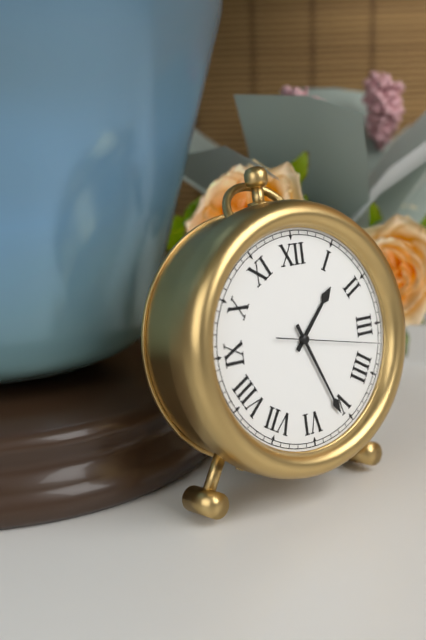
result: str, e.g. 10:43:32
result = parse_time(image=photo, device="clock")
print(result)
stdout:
1:26:17
